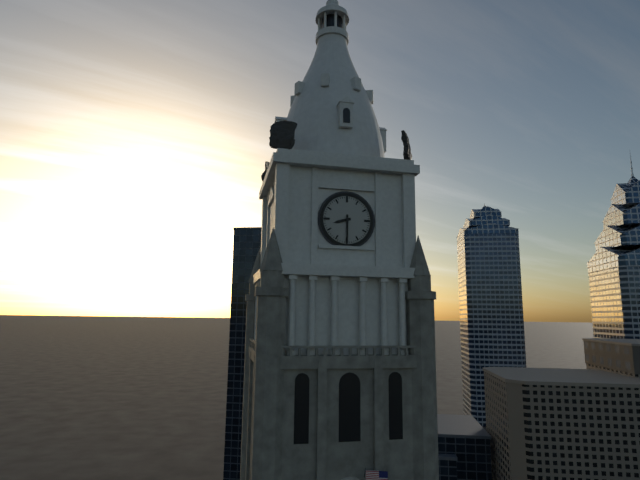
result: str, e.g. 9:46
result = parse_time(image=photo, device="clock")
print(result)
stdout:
8:30
